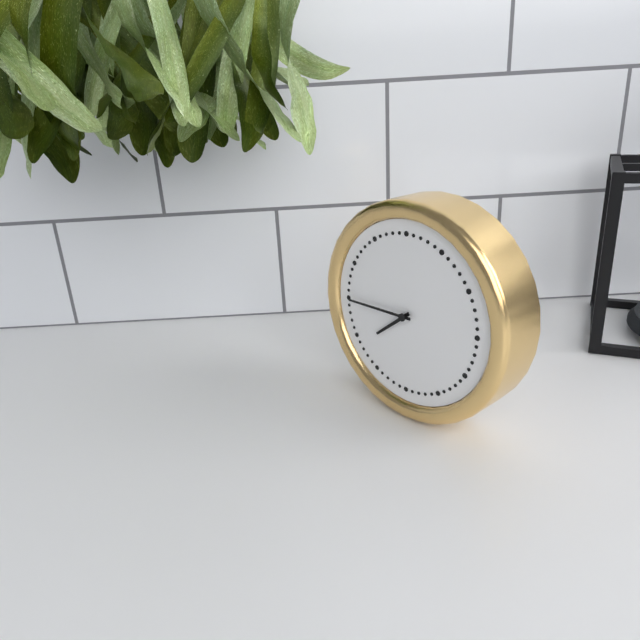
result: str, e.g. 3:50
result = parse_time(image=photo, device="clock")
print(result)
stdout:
7:45
